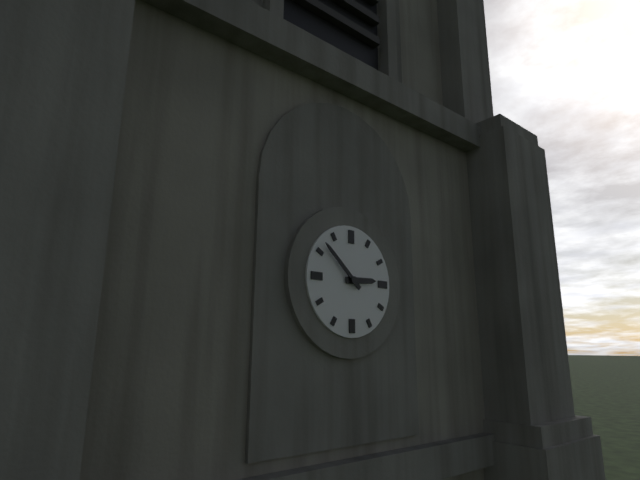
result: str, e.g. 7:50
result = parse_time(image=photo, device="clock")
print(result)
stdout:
2:52
